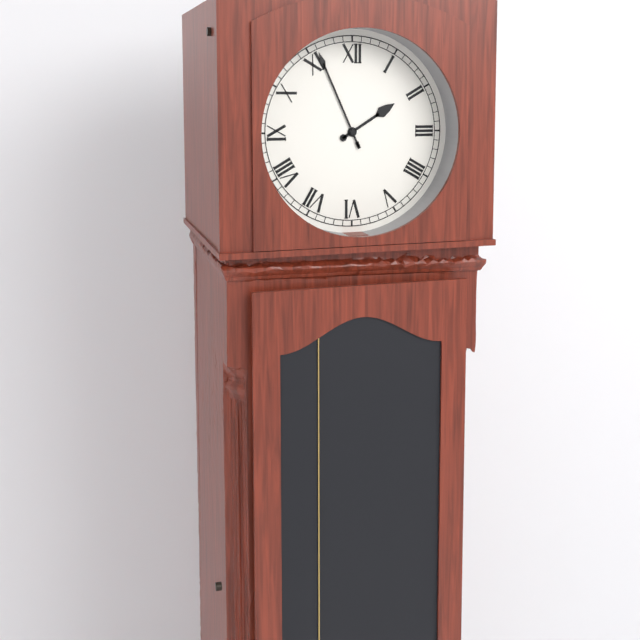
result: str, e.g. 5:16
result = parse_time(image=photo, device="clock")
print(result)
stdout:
1:56
